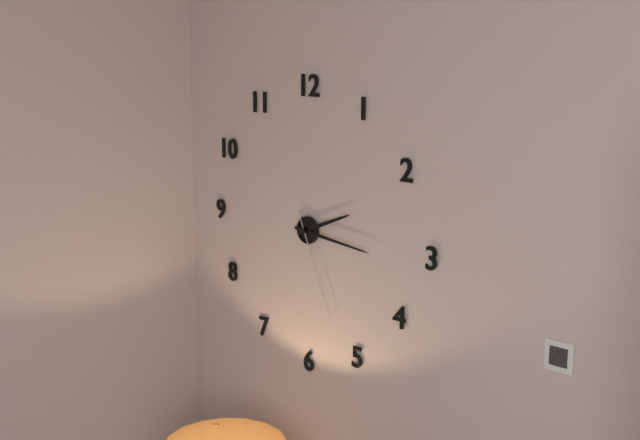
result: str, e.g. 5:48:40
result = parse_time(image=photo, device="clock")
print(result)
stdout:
2:16:26
